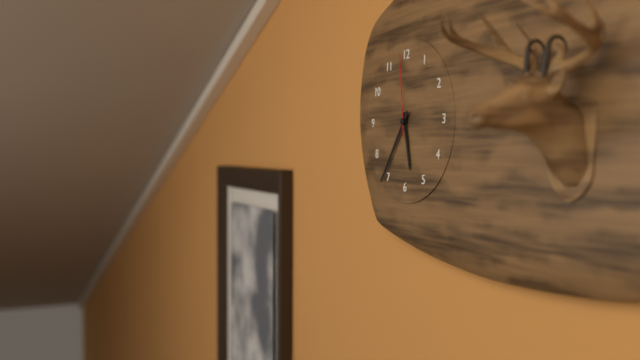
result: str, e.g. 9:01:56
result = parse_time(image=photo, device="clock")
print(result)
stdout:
5:36:59
